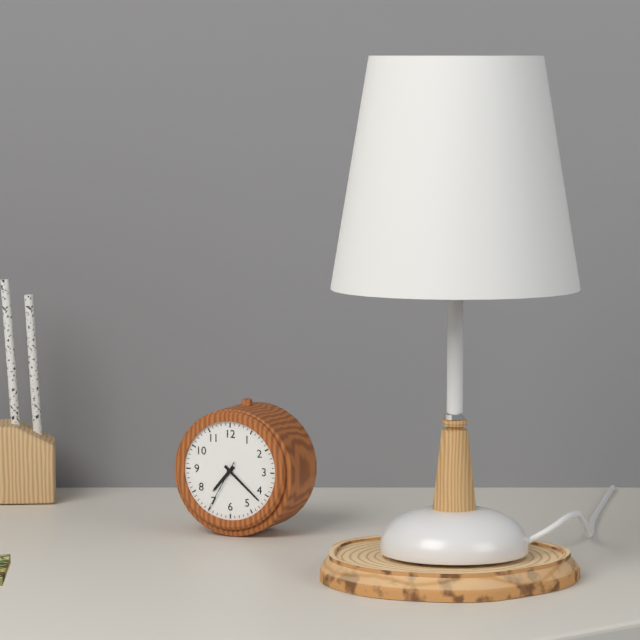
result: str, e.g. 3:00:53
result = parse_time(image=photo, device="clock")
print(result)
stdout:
7:22:35
